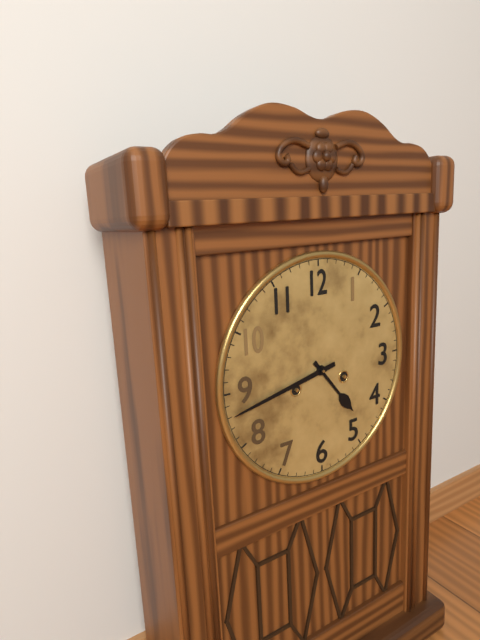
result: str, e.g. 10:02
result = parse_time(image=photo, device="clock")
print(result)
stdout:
4:43
